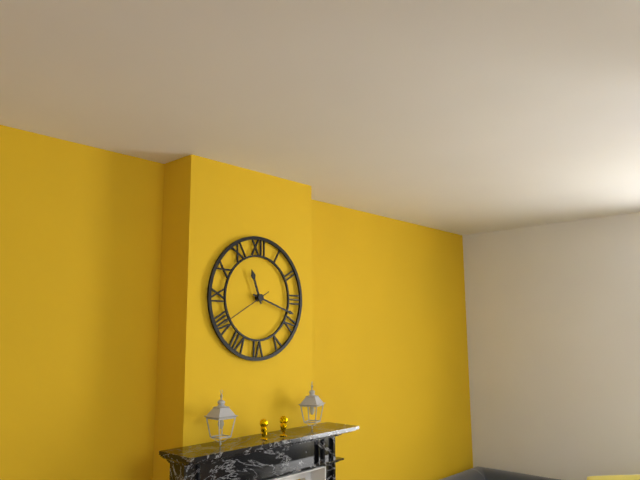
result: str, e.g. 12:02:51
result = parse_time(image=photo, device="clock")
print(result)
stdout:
11:18:40
